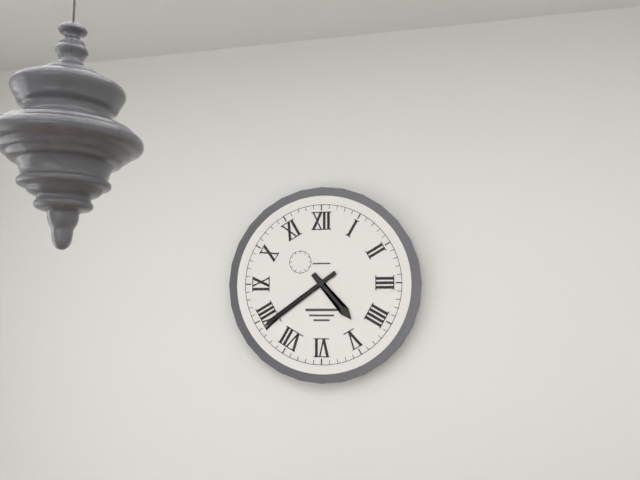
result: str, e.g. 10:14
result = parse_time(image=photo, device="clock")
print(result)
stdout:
4:39
